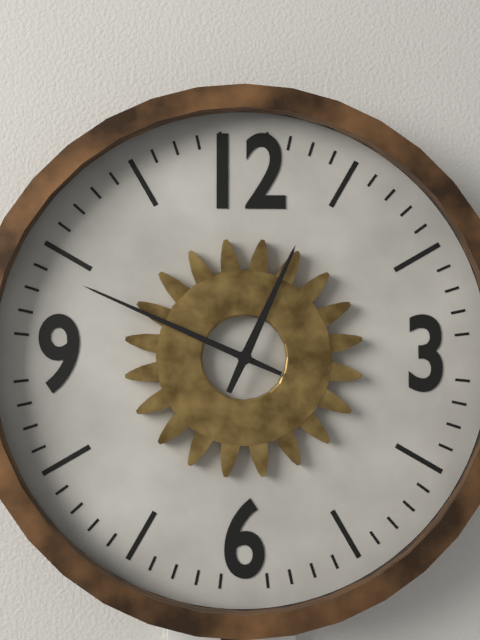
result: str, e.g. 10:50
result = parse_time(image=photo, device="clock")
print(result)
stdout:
12:49
